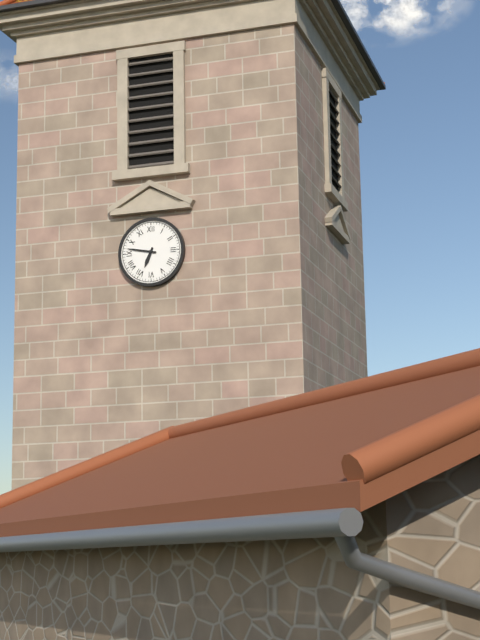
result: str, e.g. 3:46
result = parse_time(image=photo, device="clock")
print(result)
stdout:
6:47
